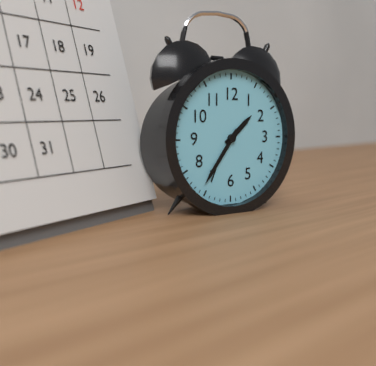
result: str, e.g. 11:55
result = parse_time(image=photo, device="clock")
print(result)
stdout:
1:36
